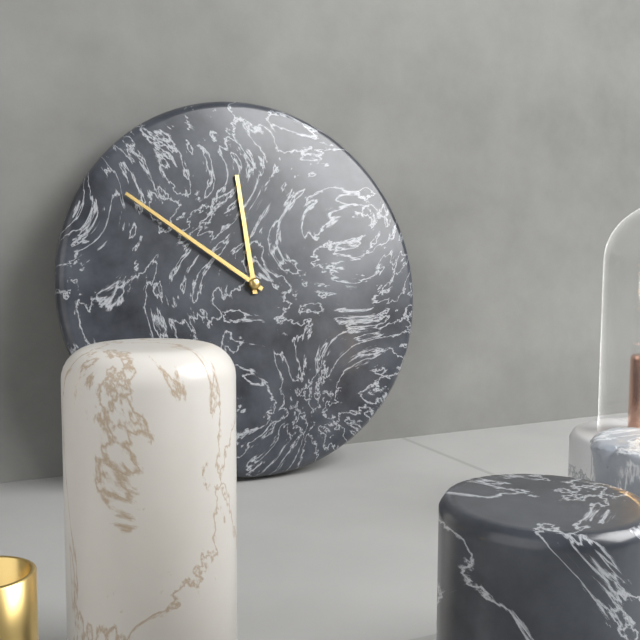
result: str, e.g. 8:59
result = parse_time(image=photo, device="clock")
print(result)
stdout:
11:51
